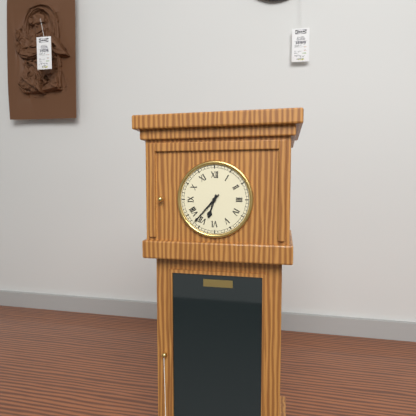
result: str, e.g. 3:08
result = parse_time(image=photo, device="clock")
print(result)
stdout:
6:37
